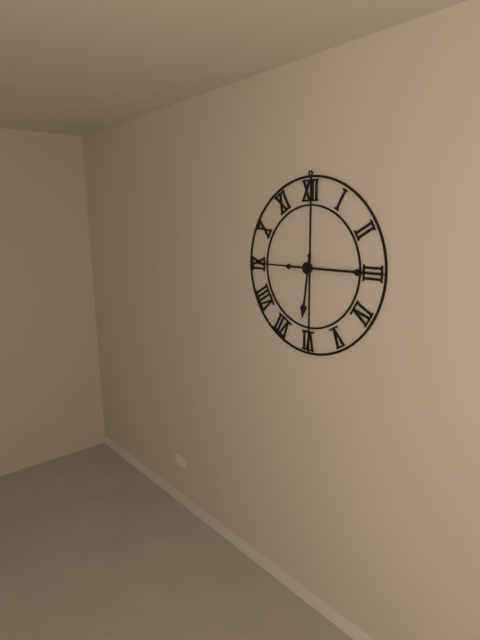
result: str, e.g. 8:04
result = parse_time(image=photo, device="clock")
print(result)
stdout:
6:15
